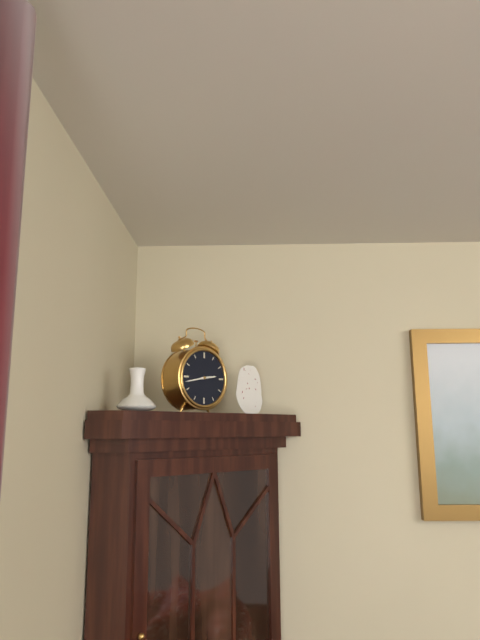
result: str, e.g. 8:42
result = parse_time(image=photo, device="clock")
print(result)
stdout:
2:43
